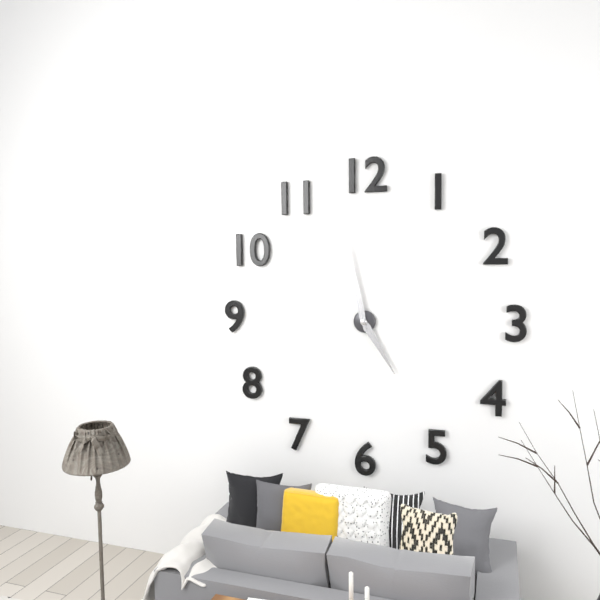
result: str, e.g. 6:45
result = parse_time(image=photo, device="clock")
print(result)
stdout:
4:58
